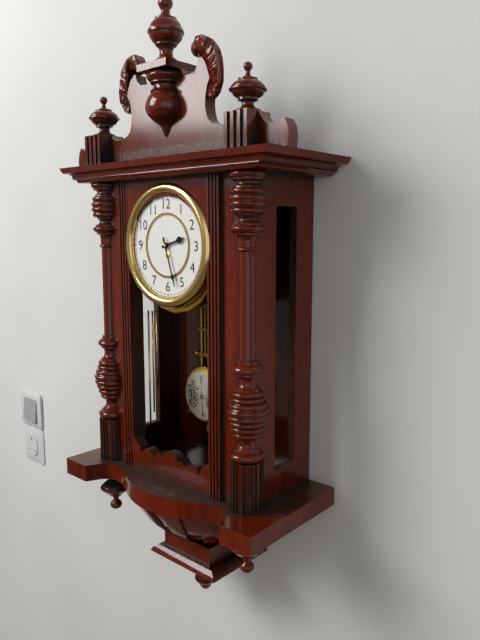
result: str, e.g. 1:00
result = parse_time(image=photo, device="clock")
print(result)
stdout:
2:27
